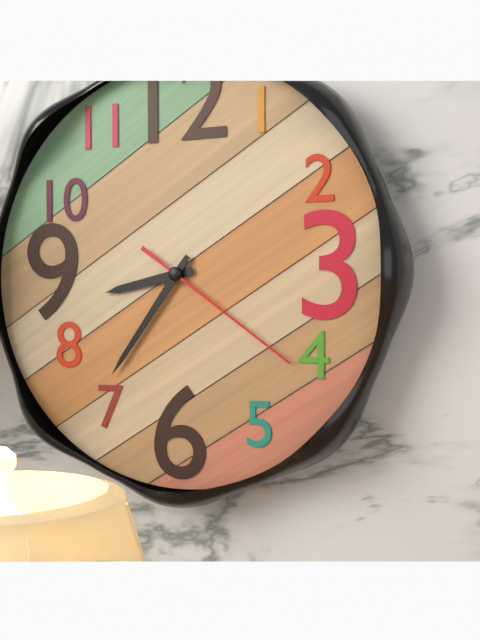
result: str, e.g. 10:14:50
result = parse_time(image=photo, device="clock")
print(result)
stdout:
8:36:21
